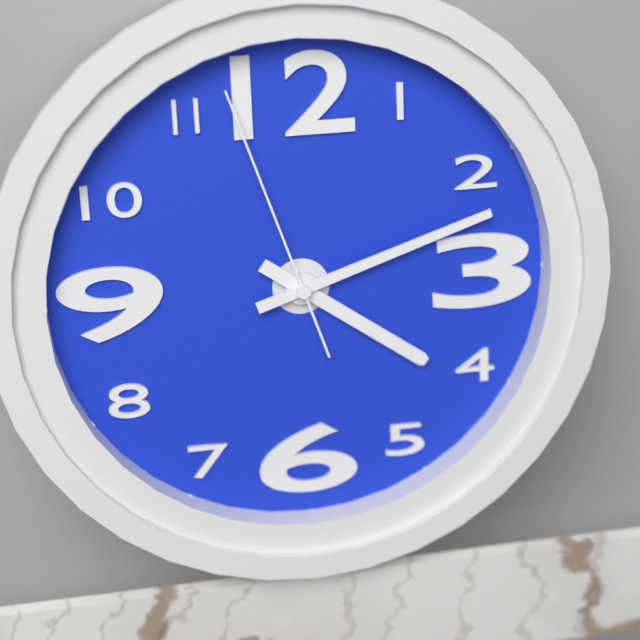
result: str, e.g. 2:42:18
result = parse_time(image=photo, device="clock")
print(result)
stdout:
4:12:57
